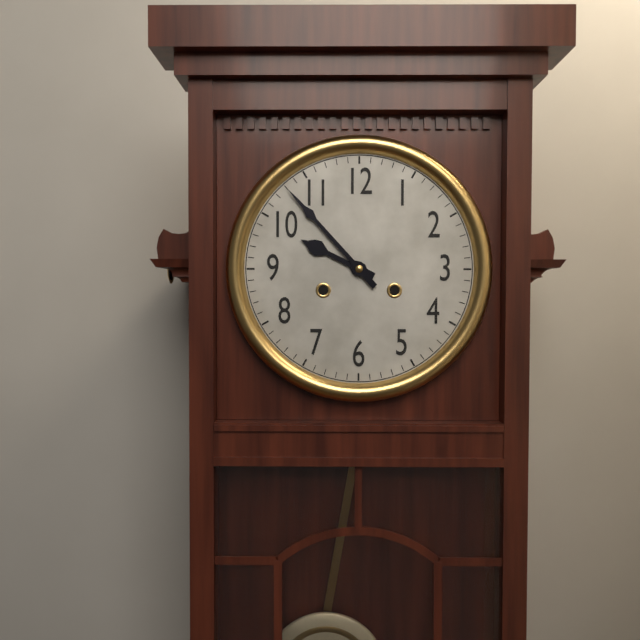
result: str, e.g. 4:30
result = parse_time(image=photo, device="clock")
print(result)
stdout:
9:53
